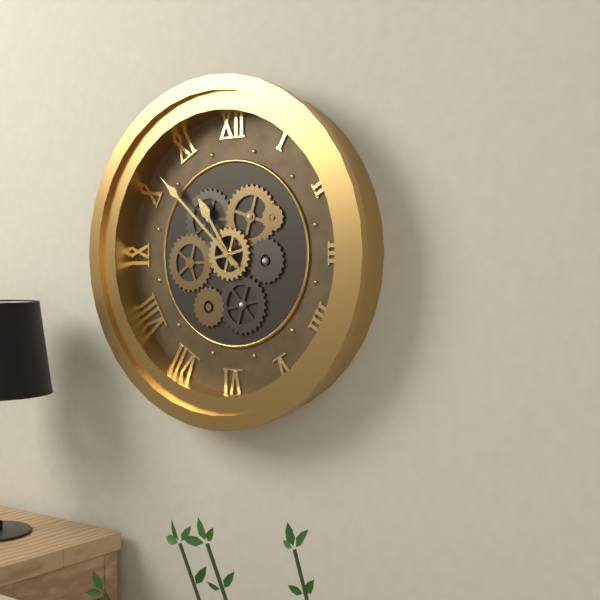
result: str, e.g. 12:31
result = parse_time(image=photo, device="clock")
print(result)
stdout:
10:52
